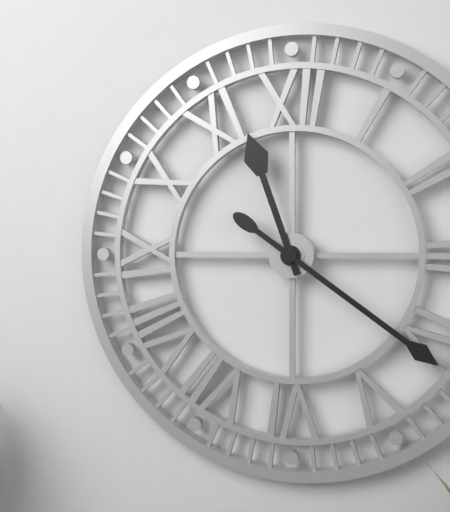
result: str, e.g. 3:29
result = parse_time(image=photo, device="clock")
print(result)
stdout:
11:21
